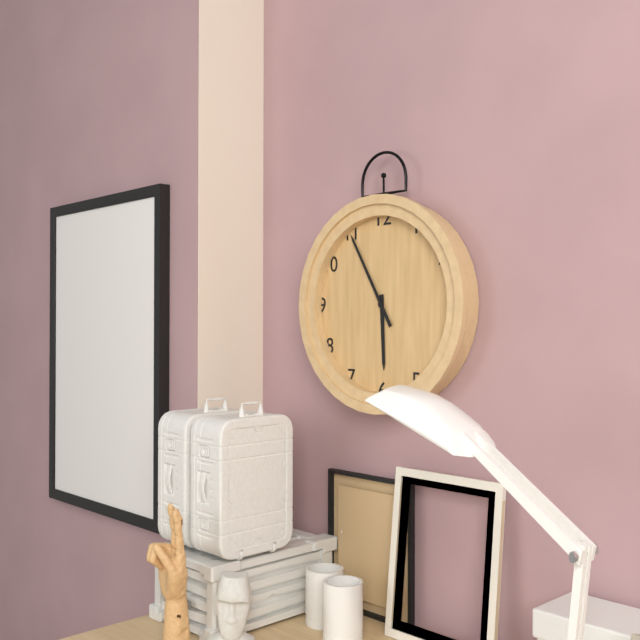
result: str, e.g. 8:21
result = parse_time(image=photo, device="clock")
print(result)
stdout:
5:55
